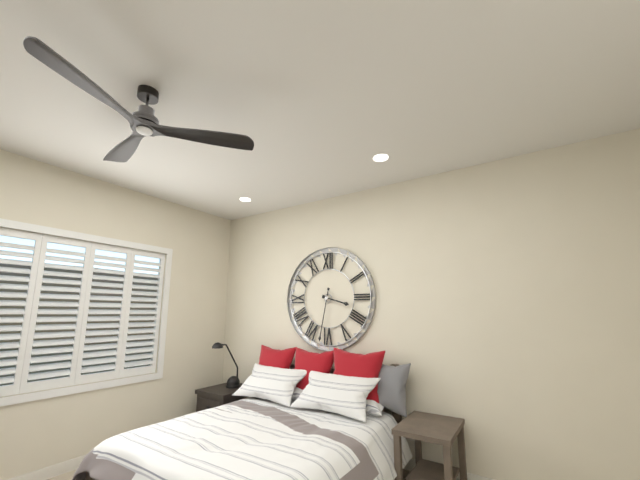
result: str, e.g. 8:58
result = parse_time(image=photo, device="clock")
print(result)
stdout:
3:32
